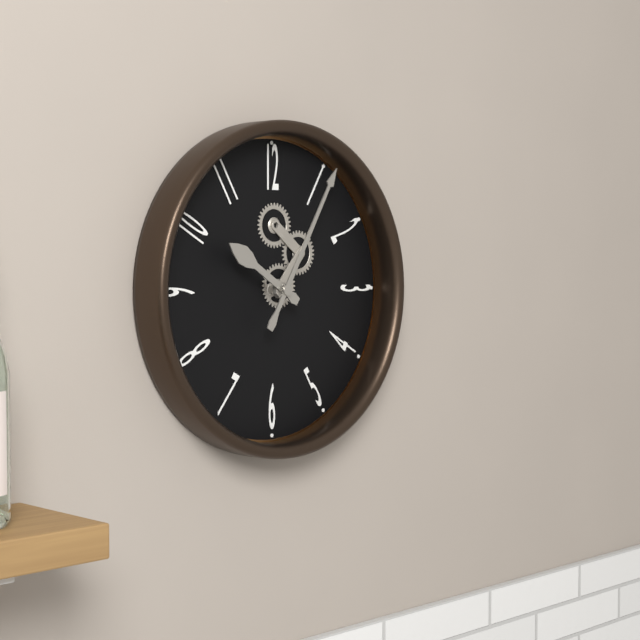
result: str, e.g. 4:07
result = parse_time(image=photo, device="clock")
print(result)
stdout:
10:05
